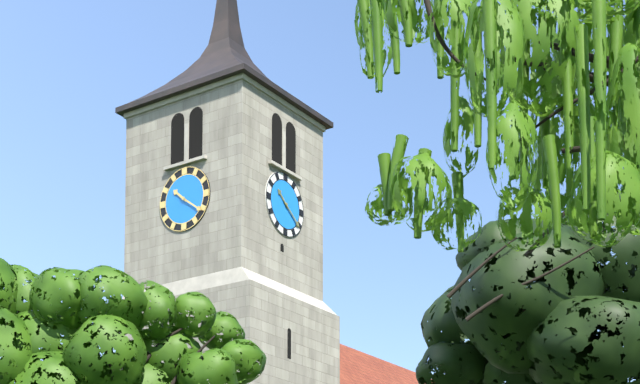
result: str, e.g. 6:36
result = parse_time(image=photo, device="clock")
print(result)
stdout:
10:21
